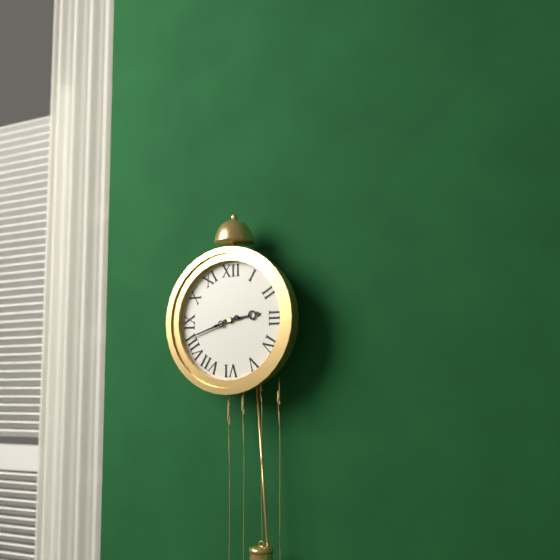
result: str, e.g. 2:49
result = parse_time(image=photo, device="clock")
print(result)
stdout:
2:42
